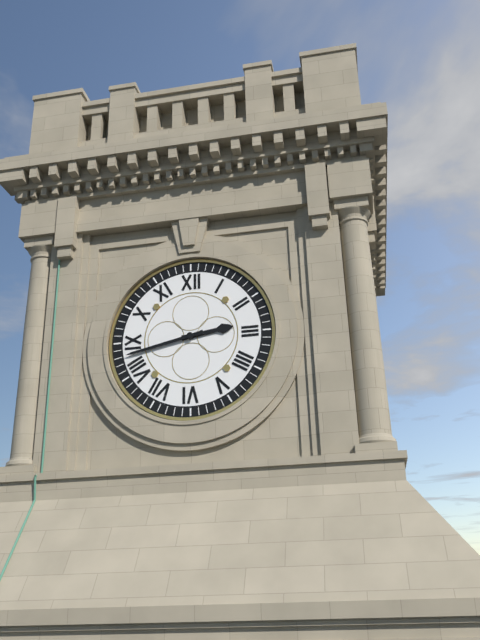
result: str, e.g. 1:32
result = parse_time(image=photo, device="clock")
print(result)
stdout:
2:43
